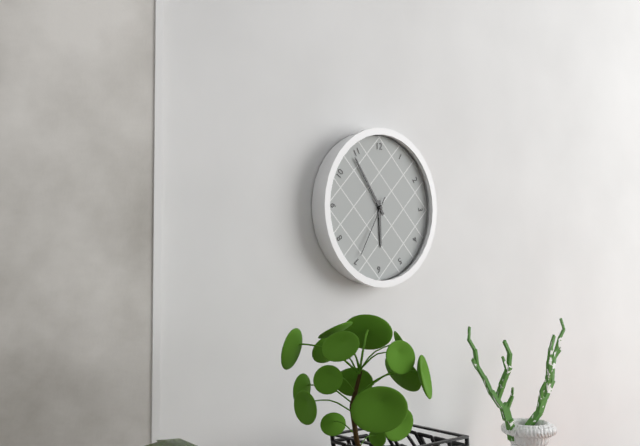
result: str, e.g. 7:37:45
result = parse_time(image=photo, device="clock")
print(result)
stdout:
5:54:35
